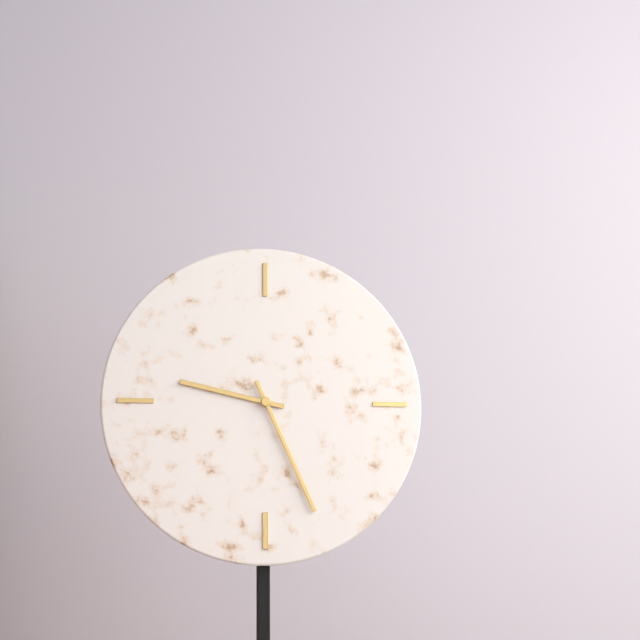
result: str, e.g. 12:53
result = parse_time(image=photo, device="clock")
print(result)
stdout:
9:26
